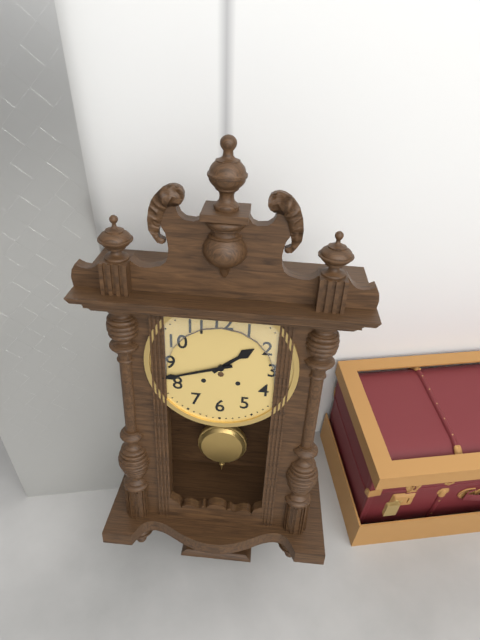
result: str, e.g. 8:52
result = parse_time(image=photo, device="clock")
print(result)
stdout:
1:42
